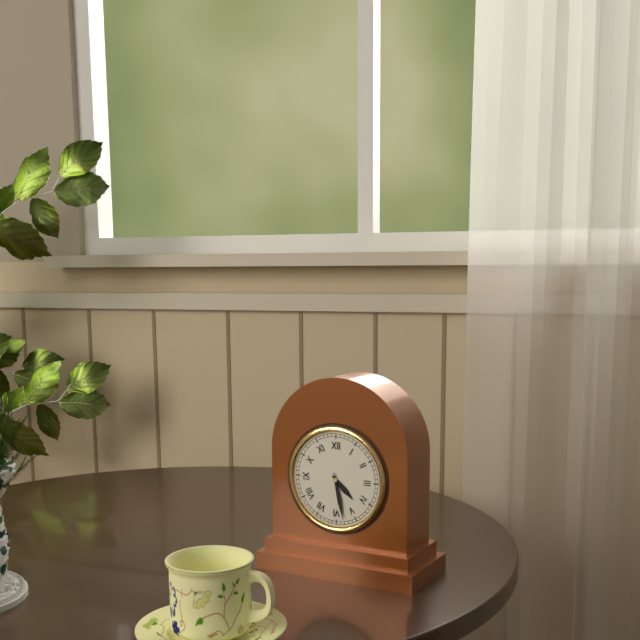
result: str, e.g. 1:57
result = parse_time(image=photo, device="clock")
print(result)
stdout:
4:28
